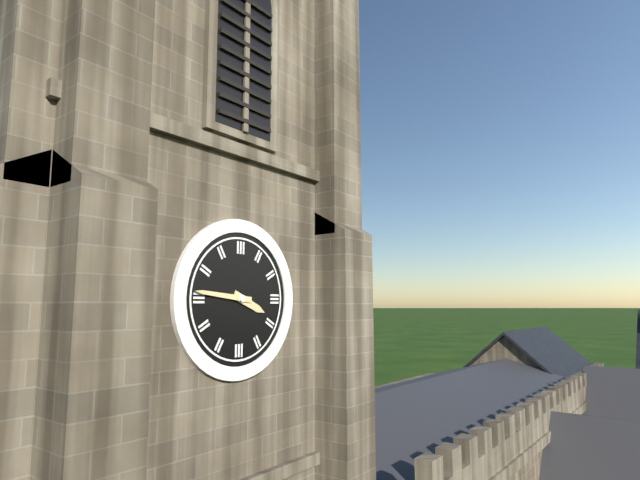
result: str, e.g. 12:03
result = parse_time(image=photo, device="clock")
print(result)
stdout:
3:46
